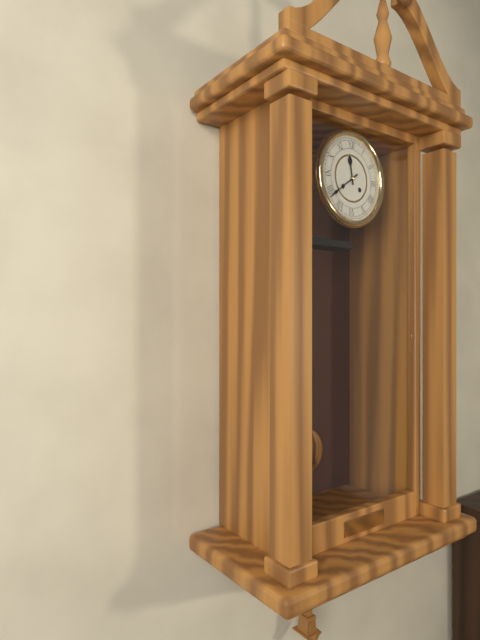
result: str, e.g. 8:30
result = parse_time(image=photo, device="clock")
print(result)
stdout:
11:39
